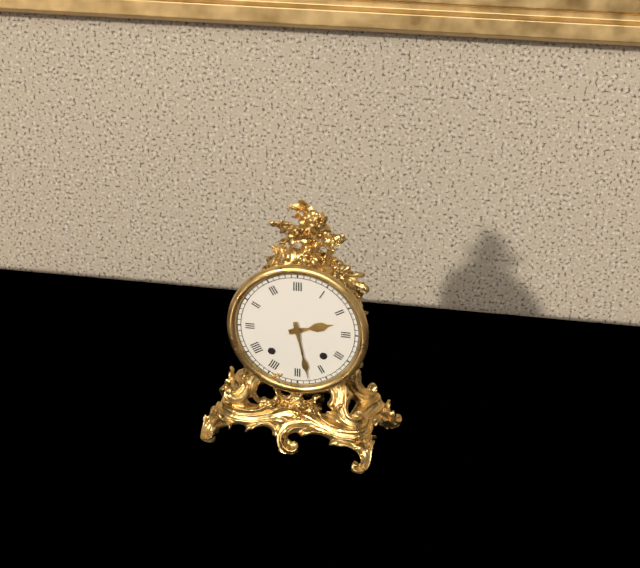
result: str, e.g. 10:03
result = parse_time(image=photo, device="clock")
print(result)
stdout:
2:28
